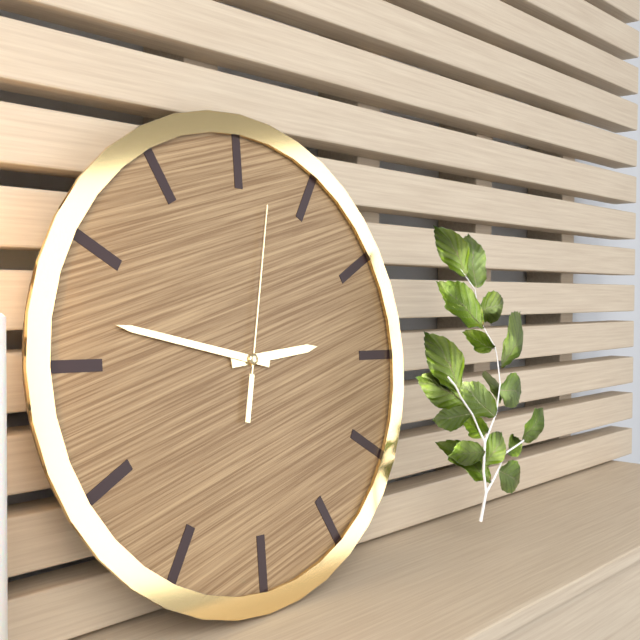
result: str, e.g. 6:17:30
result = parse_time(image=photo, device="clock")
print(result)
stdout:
2:47:02
